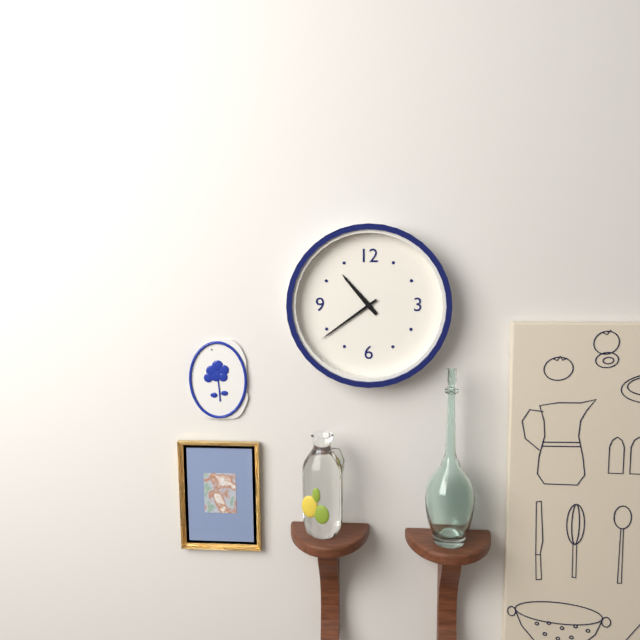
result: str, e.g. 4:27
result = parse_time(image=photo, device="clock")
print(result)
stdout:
10:39
